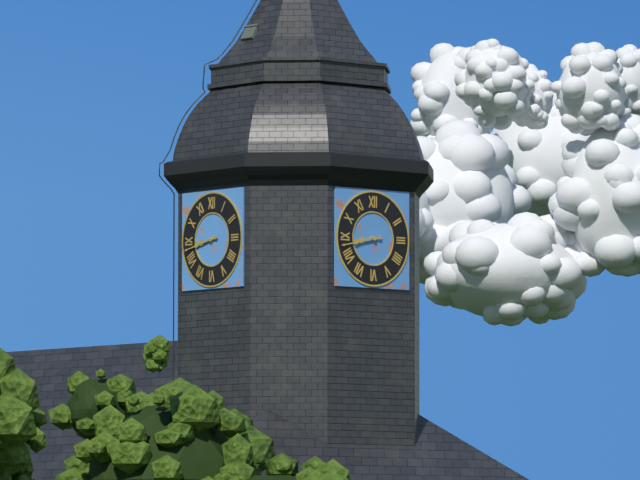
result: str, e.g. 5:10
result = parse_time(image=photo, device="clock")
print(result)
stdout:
8:43
